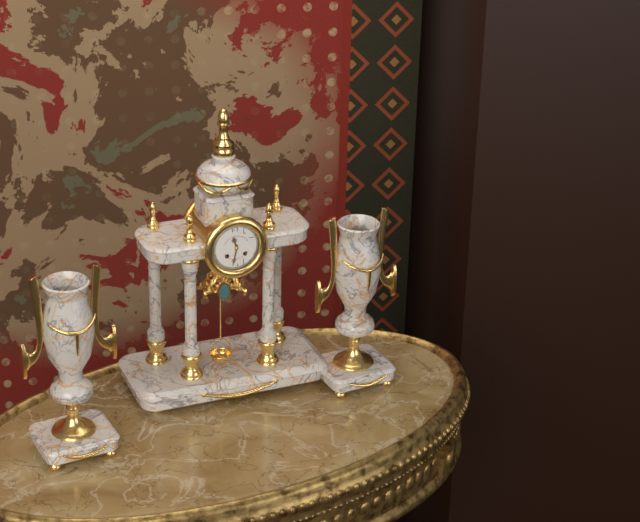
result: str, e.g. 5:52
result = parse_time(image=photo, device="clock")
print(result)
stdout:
11:32
